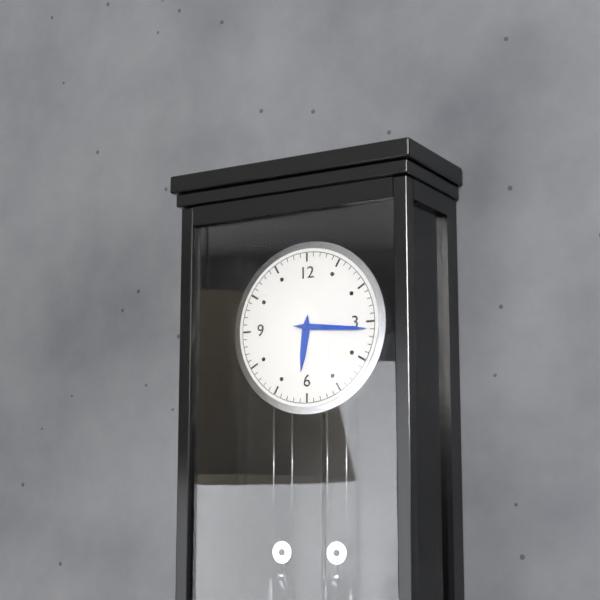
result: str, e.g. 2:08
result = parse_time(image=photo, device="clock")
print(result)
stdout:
6:16
